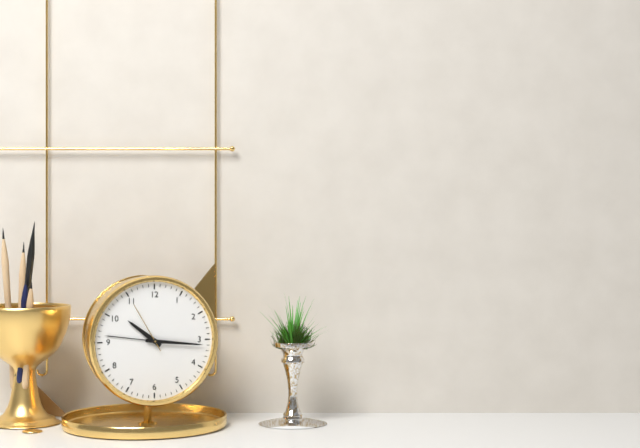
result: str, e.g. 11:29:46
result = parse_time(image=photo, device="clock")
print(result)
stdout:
10:16:55
